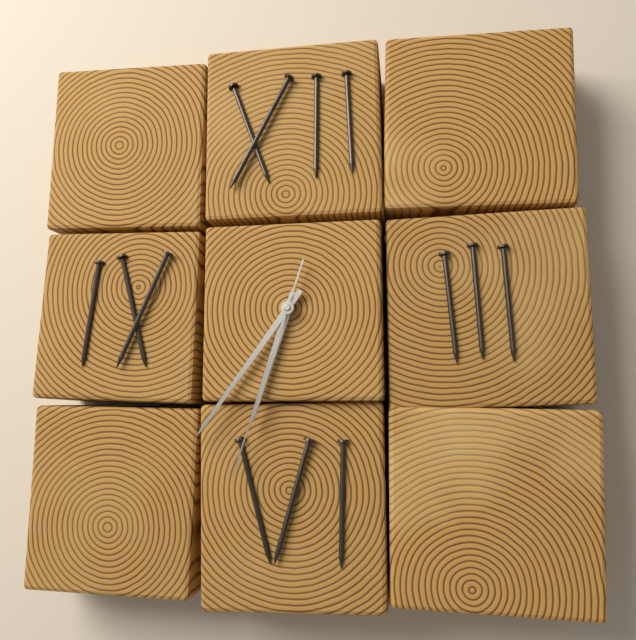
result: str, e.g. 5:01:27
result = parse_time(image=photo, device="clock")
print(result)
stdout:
6:36:33
